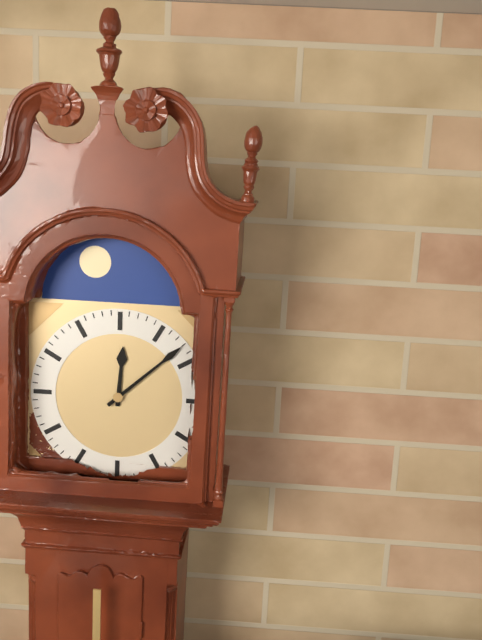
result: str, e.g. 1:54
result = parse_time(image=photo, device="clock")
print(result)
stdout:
12:08
